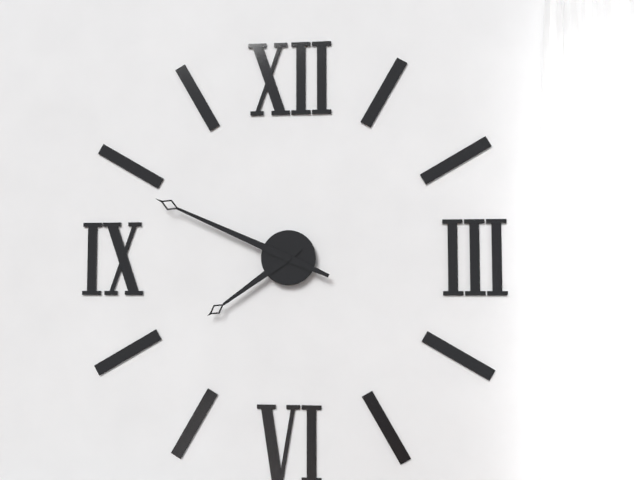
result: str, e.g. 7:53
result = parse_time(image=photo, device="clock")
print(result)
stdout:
7:49
